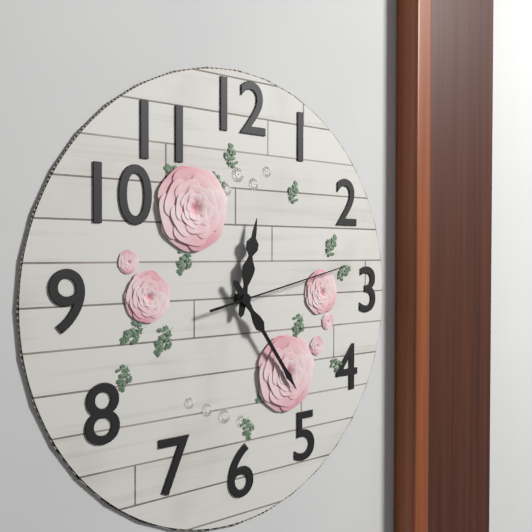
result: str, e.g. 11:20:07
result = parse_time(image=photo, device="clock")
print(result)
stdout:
12:24:13
